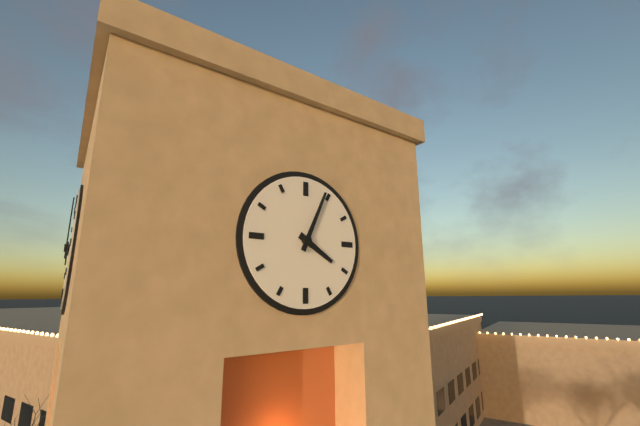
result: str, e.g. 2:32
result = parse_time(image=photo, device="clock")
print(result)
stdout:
4:04
